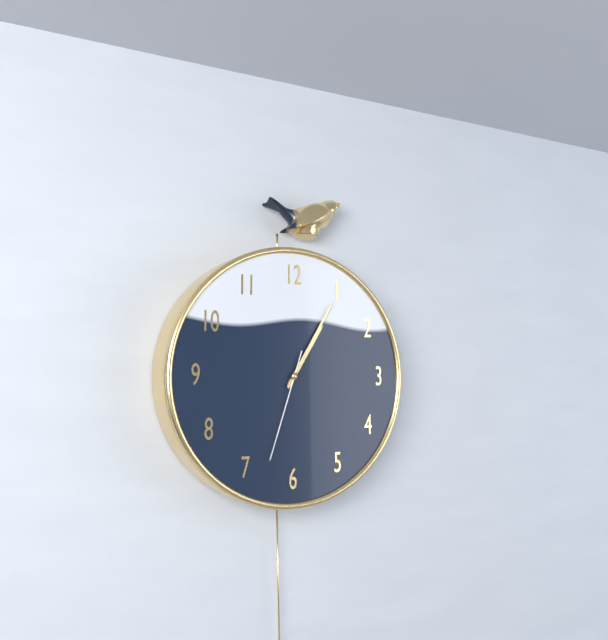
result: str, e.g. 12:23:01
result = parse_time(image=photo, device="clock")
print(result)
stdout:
1:05:33
